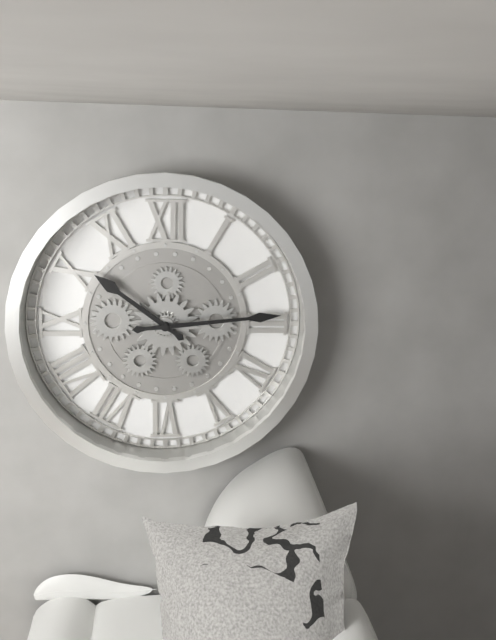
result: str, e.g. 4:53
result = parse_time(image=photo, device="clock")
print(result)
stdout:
10:14
